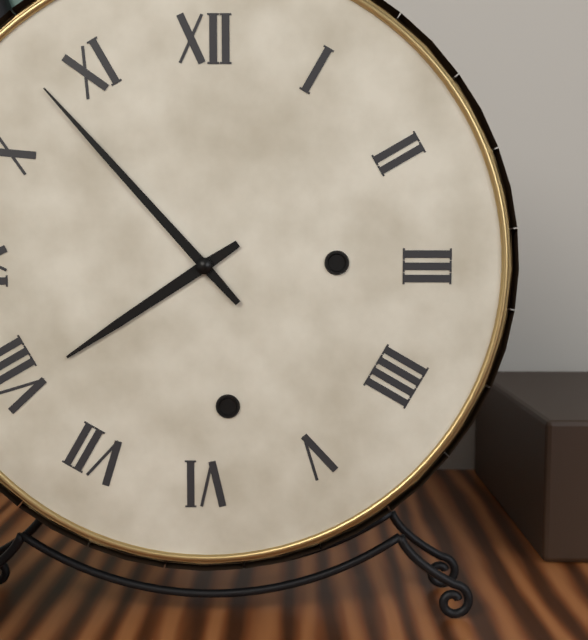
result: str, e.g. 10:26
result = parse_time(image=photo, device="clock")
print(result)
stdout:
7:53
